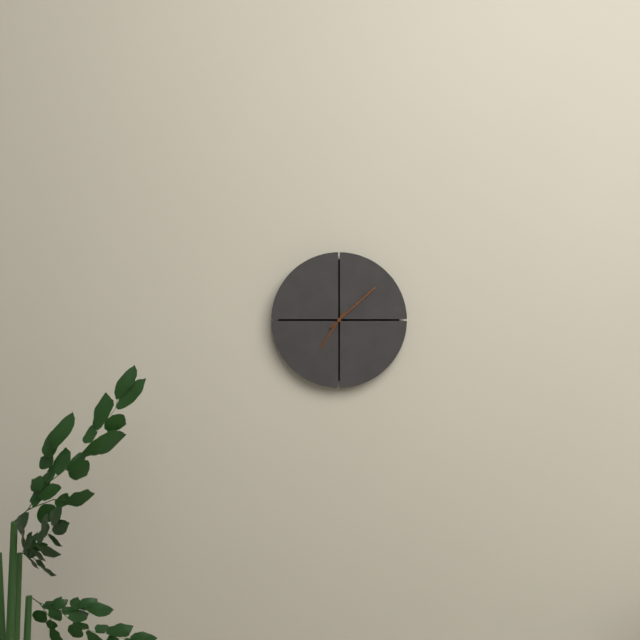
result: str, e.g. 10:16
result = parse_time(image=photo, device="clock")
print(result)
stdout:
7:08
